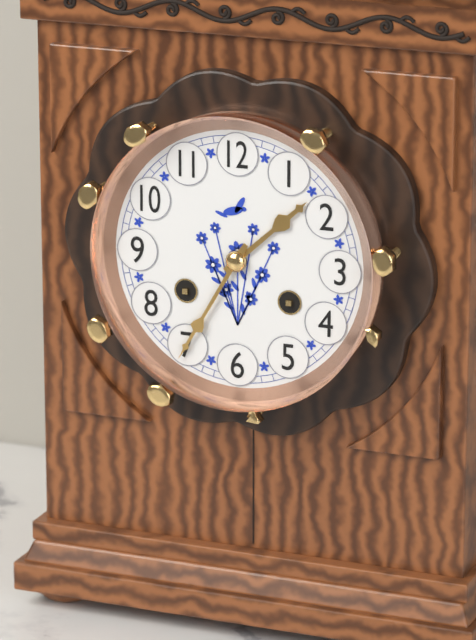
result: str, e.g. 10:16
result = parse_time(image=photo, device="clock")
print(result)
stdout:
1:35
